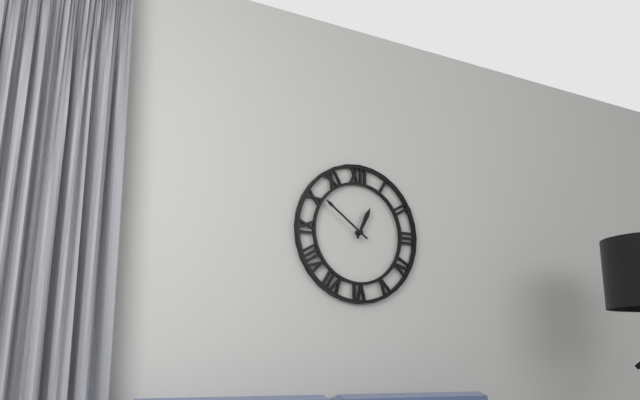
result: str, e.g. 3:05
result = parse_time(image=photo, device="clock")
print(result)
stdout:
12:51
